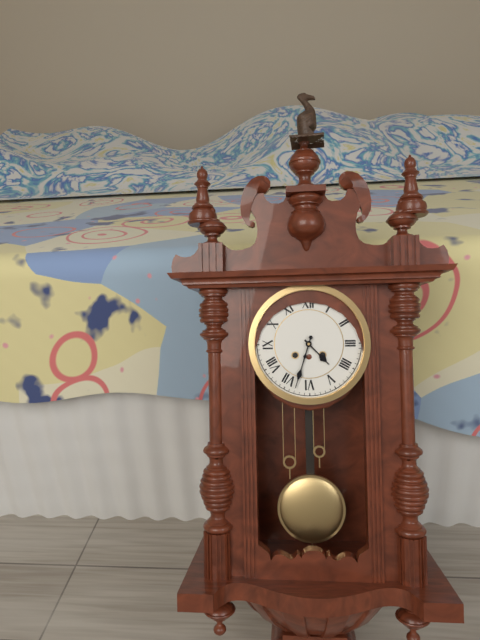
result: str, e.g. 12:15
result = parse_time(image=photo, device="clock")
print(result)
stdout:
4:33
